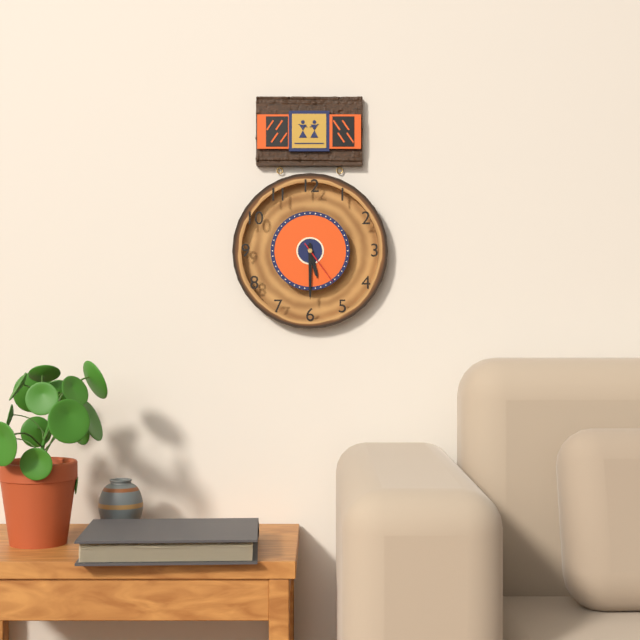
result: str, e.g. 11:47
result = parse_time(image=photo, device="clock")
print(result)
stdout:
5:30
